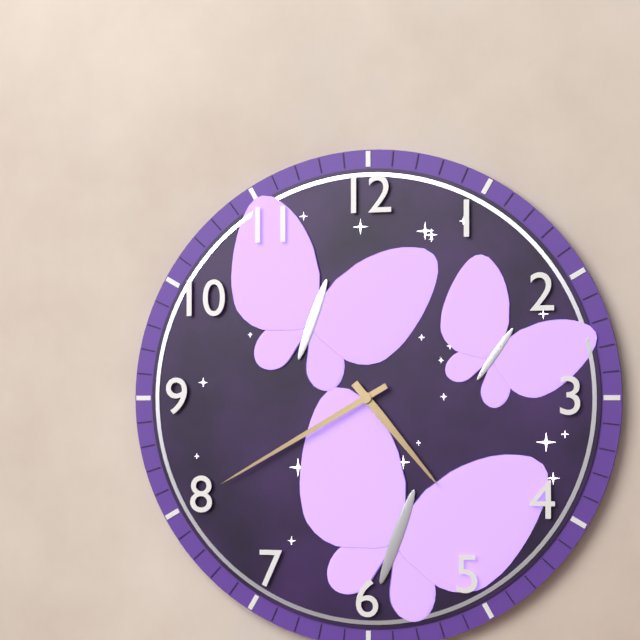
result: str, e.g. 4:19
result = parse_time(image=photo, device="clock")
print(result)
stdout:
4:40
